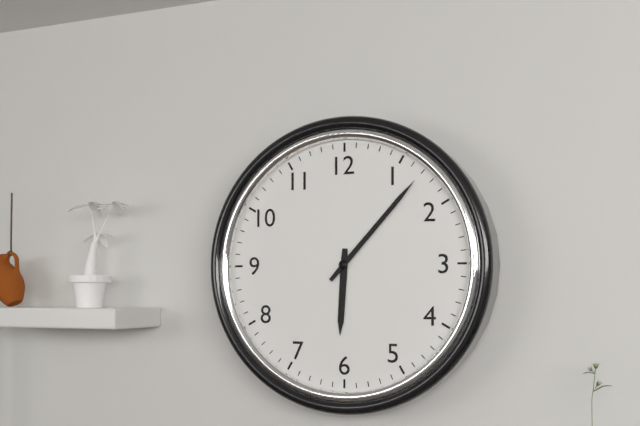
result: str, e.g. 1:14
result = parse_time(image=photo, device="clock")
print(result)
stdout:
6:07
